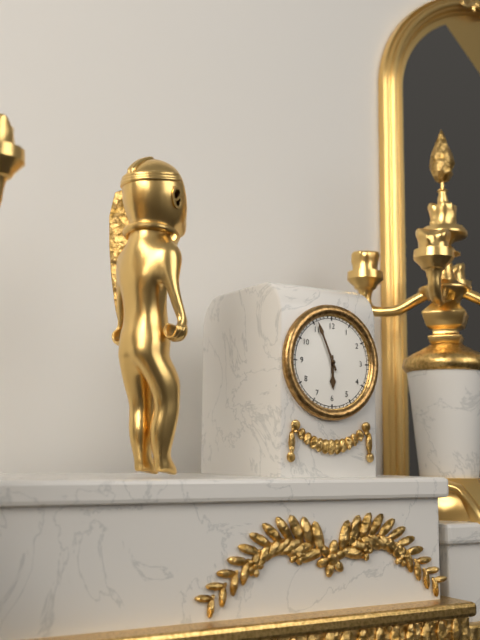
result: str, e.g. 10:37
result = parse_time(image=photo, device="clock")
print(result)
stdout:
5:56
